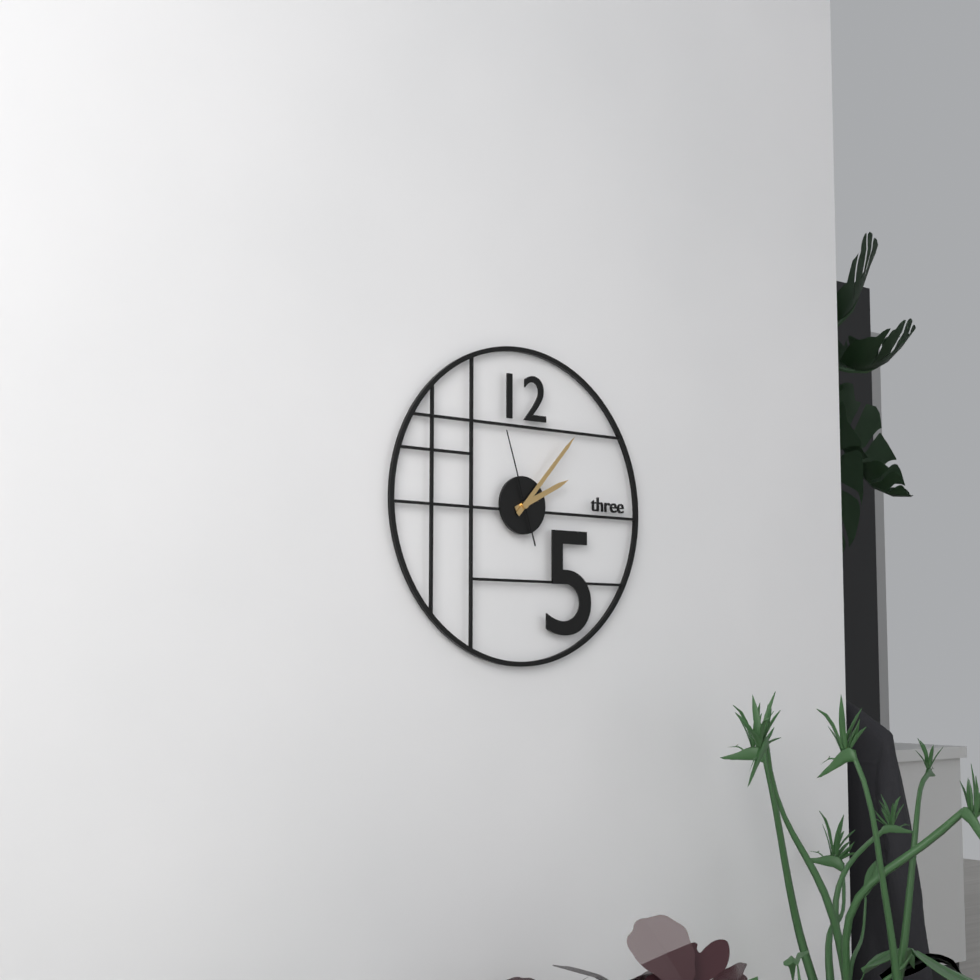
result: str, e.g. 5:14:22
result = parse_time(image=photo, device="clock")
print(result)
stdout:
2:07:57
